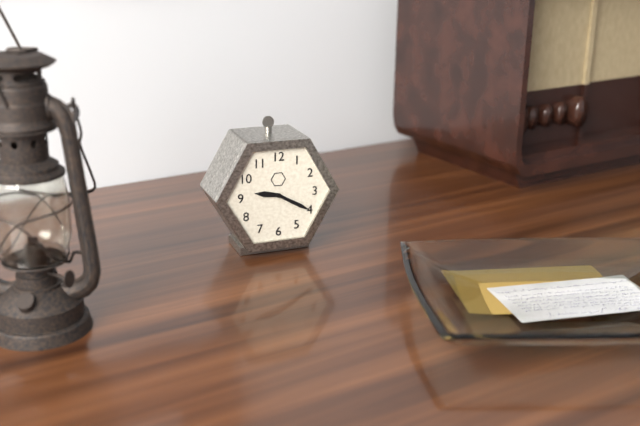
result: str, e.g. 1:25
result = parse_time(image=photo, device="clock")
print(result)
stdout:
9:20
